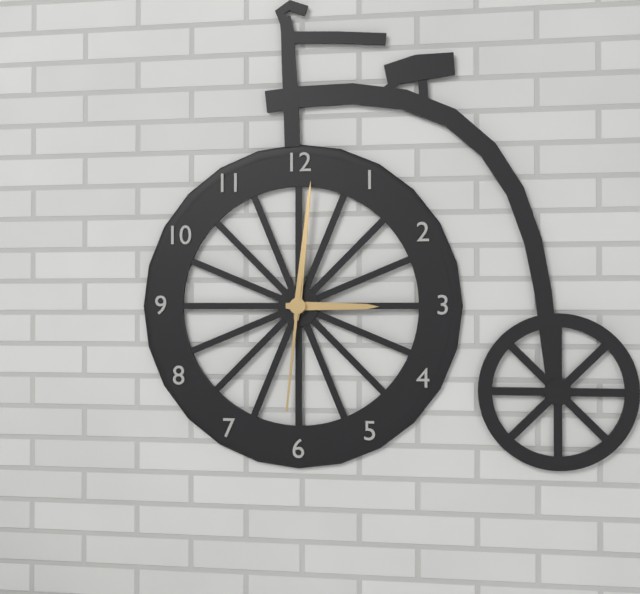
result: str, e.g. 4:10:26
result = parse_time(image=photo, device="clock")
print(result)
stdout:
3:01:31
